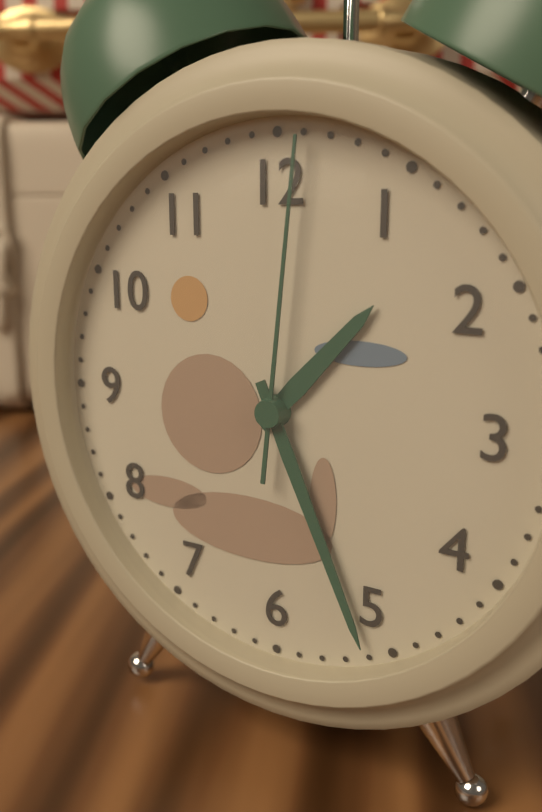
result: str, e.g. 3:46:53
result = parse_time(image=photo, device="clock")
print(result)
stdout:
1:26:01
